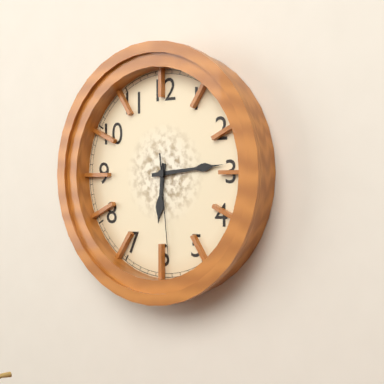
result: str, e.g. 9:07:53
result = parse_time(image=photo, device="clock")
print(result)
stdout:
6:14:29
